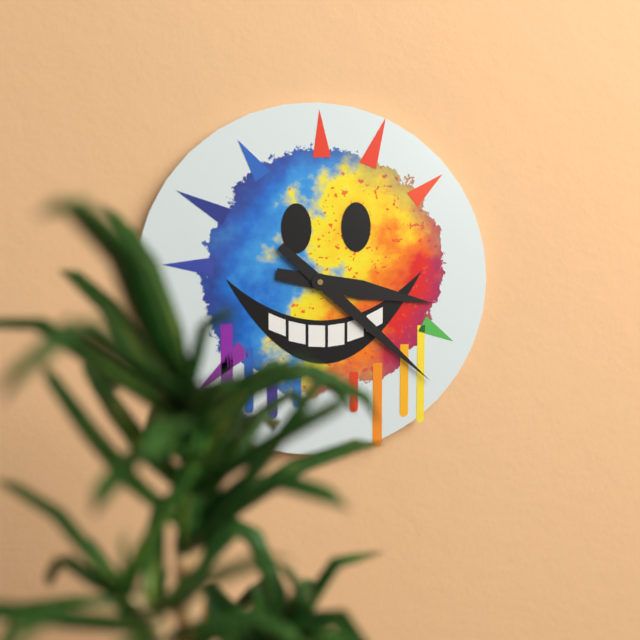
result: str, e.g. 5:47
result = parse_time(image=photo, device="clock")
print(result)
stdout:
3:22
